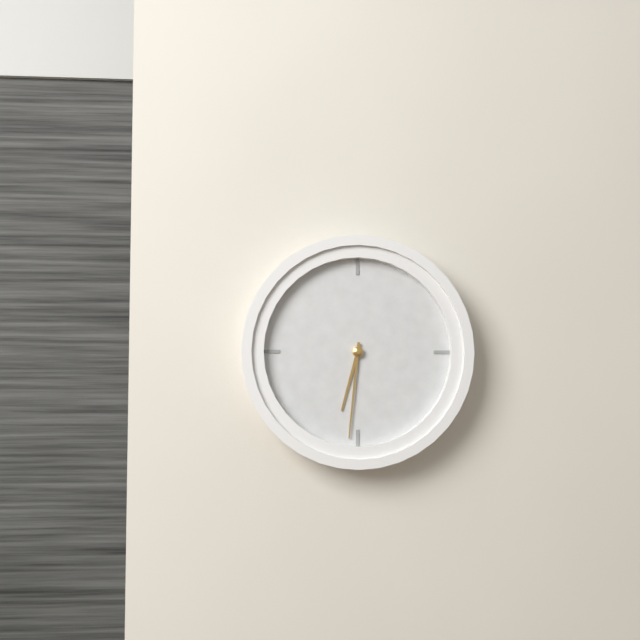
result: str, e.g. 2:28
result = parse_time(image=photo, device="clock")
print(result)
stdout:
6:31
